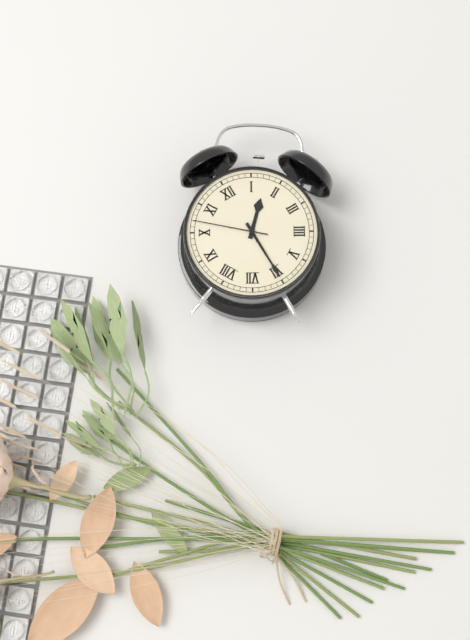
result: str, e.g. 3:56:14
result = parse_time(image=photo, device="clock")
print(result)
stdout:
1:30:52
